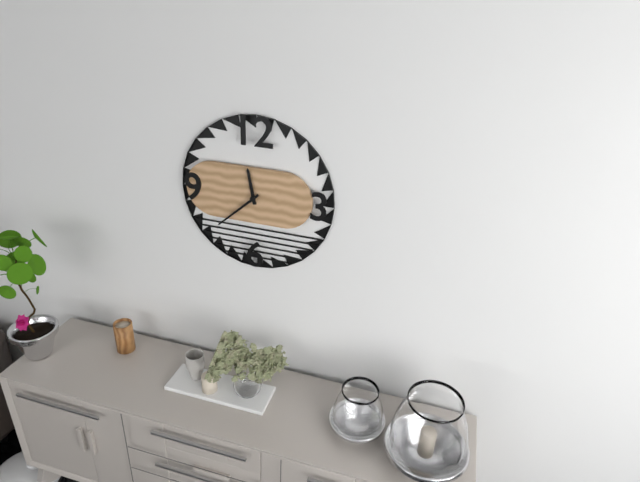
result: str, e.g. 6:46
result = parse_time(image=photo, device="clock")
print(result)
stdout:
11:38
